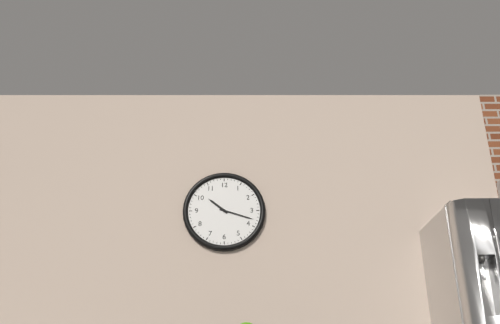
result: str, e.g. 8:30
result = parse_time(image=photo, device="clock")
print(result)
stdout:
10:18
